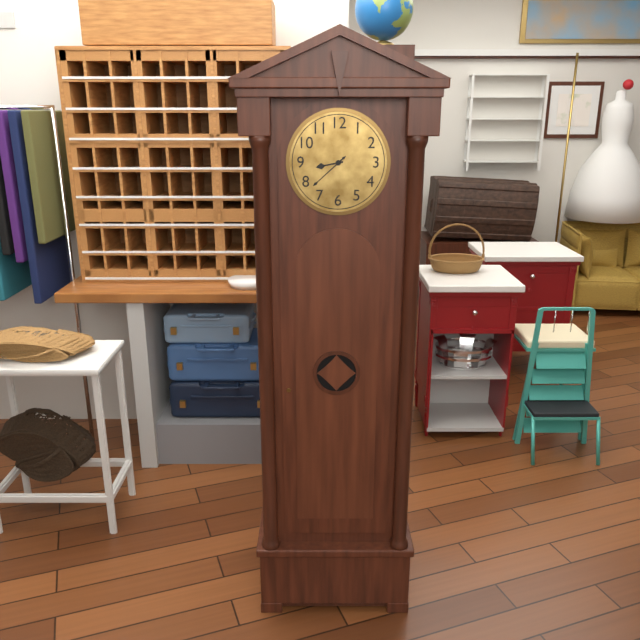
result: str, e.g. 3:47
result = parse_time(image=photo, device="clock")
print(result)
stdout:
8:38
